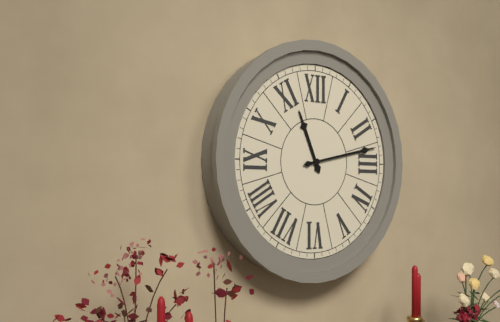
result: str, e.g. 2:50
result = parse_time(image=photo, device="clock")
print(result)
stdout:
11:13
